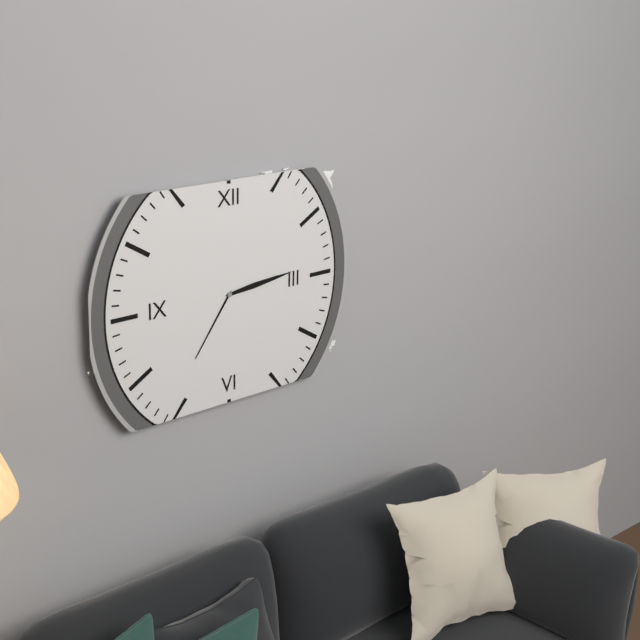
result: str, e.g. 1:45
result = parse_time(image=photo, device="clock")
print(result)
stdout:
7:14
